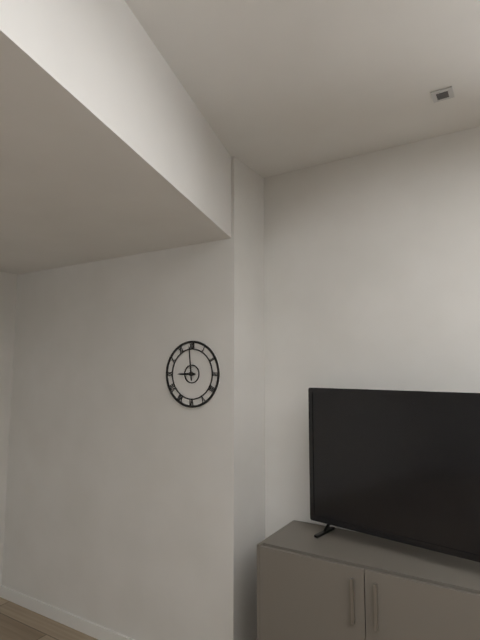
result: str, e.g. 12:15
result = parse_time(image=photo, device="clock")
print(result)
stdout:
8:59
